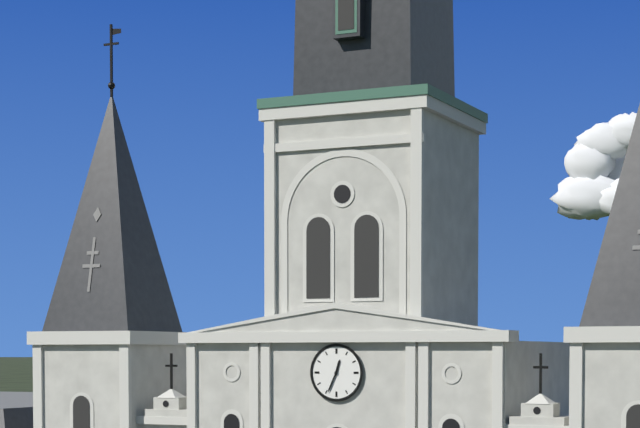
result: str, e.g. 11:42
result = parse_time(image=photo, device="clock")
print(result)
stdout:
12:34
